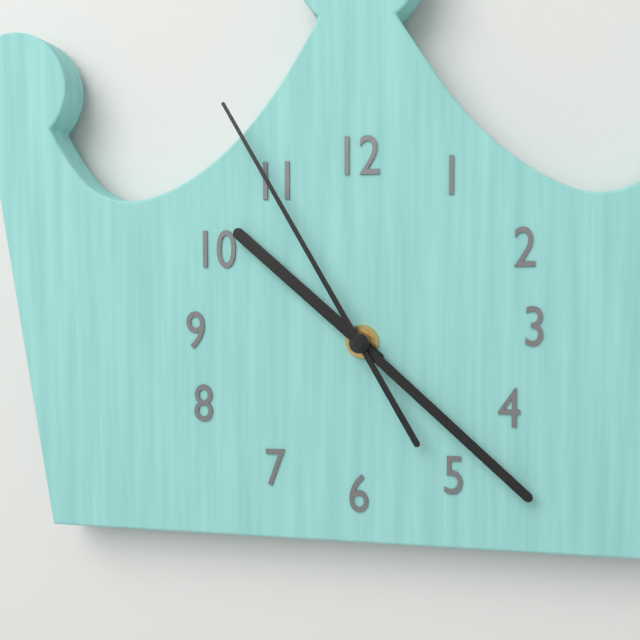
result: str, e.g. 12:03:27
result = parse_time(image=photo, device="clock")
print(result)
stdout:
10:22:55
